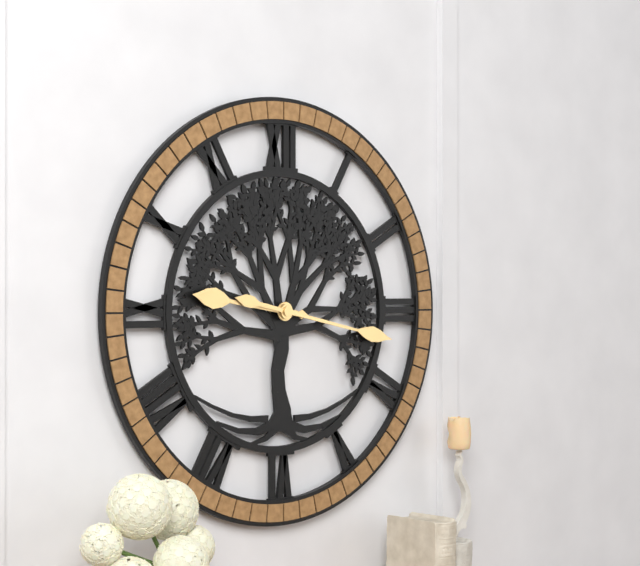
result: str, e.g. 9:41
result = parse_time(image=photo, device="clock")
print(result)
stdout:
9:17
